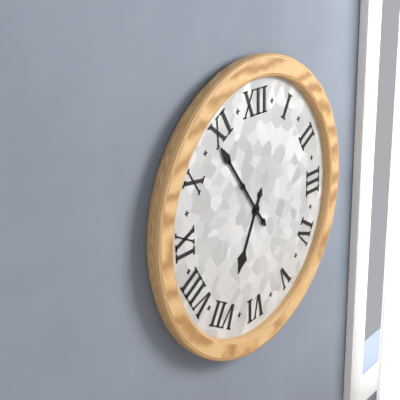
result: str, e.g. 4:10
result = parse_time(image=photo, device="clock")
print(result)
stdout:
6:54
